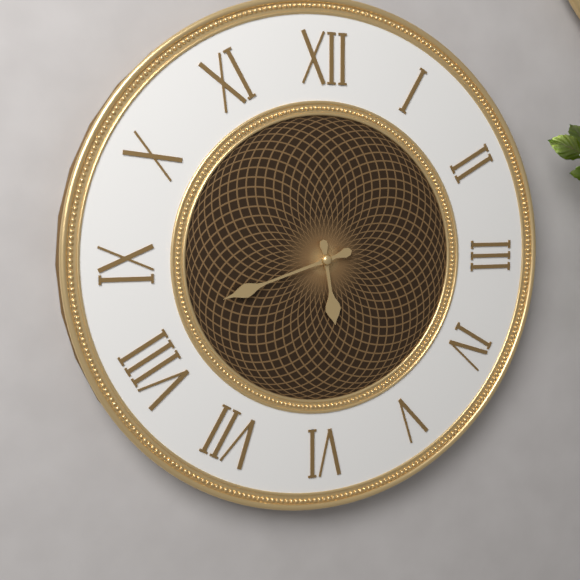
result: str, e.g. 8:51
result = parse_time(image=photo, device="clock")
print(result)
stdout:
5:42
